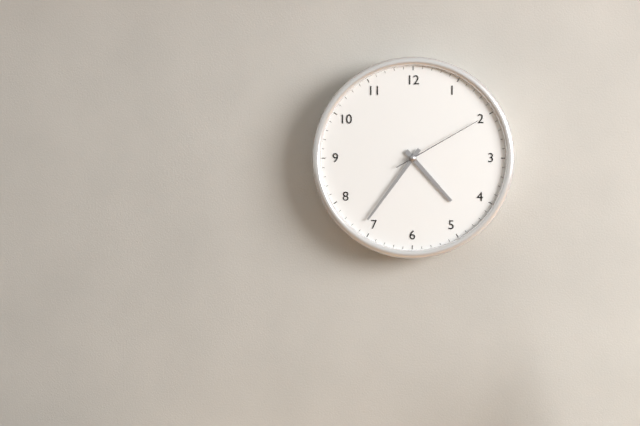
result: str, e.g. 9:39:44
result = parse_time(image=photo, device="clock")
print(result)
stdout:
4:36:10
